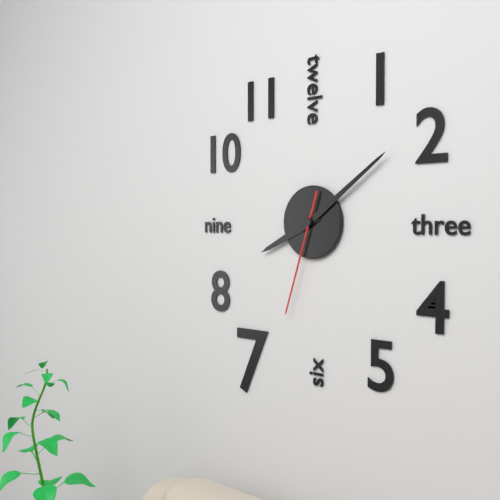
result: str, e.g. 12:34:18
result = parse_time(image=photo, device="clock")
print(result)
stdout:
8:09:33
